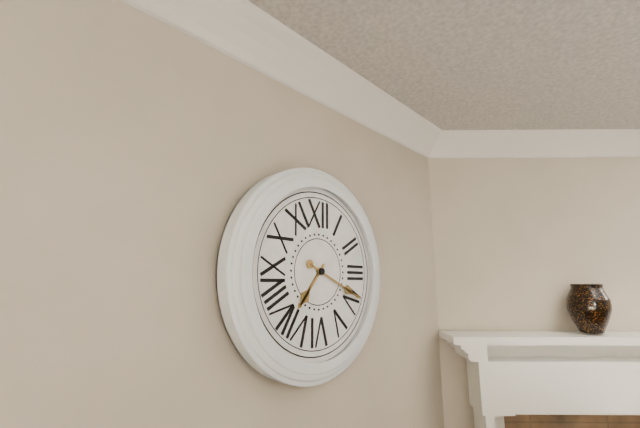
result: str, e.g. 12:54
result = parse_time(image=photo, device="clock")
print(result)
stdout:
7:19
